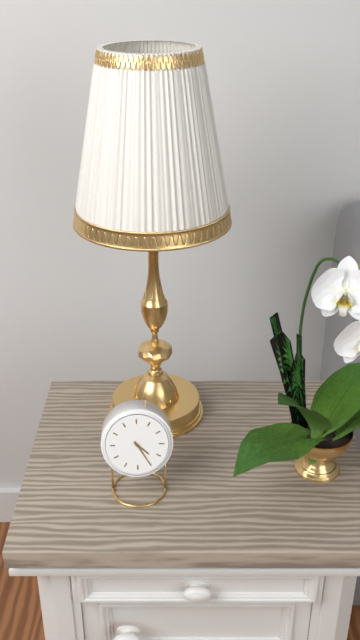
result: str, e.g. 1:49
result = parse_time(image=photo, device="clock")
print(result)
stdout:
4:25
